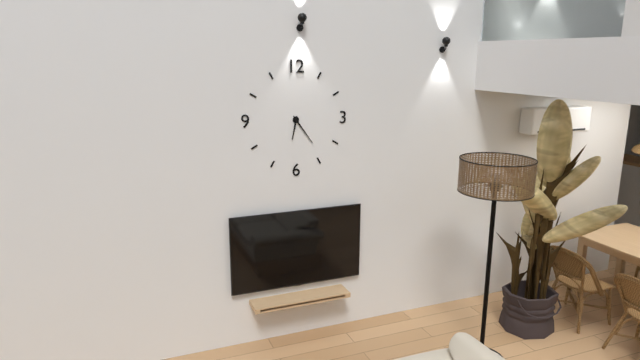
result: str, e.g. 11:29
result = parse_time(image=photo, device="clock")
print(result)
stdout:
6:24
